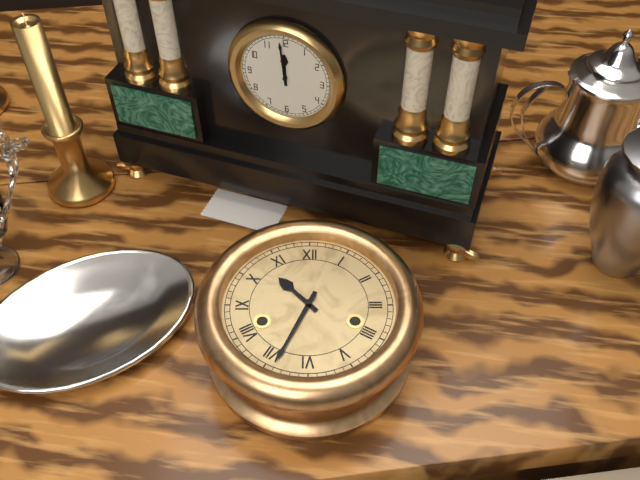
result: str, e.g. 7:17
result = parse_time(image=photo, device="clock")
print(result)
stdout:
10:34
